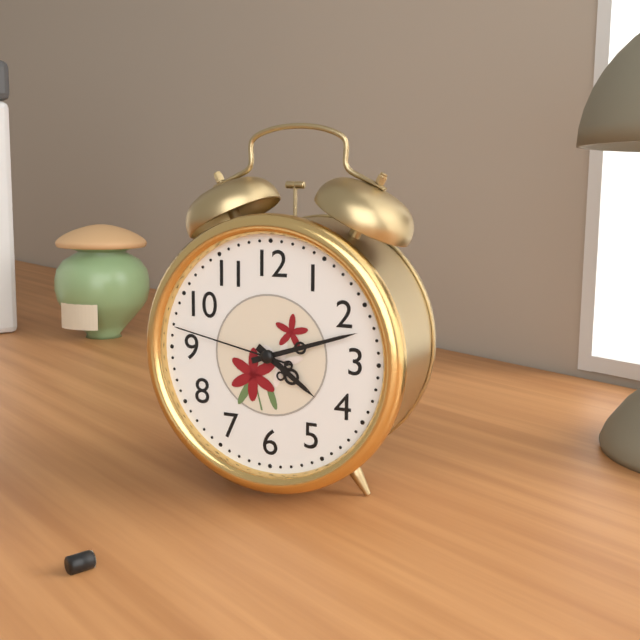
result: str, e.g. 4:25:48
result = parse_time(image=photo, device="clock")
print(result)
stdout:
4:12:47
